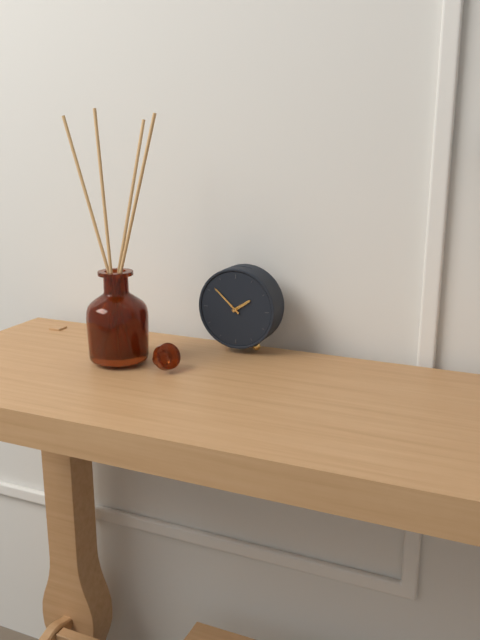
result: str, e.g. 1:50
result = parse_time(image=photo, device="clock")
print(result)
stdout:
1:52
